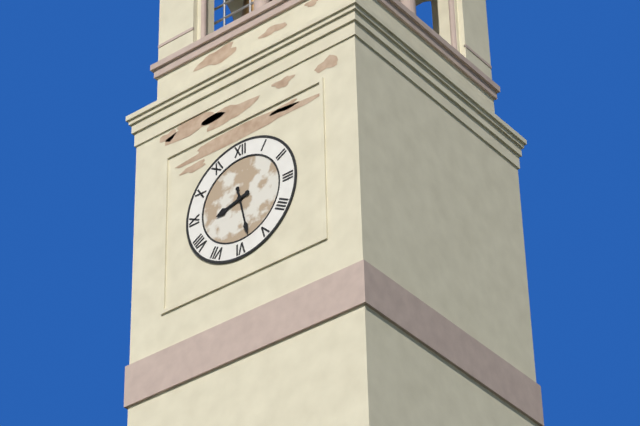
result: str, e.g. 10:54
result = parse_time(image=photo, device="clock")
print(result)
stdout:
8:28
